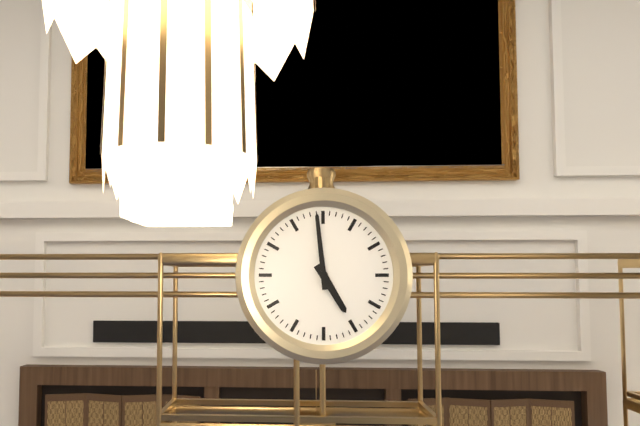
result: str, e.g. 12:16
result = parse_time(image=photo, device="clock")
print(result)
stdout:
4:59
